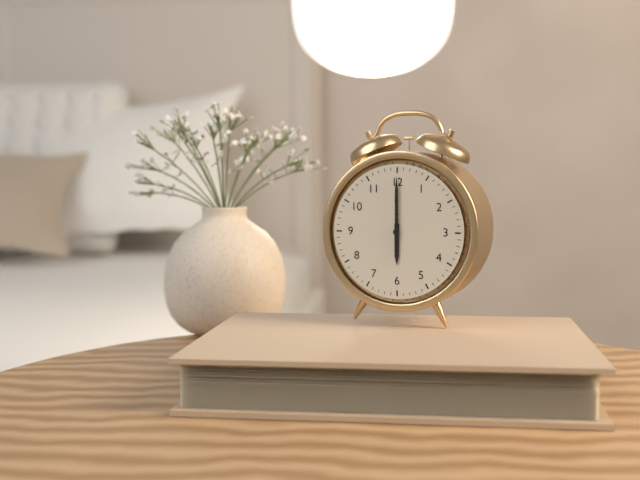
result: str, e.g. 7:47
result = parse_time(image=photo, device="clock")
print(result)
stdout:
6:00
